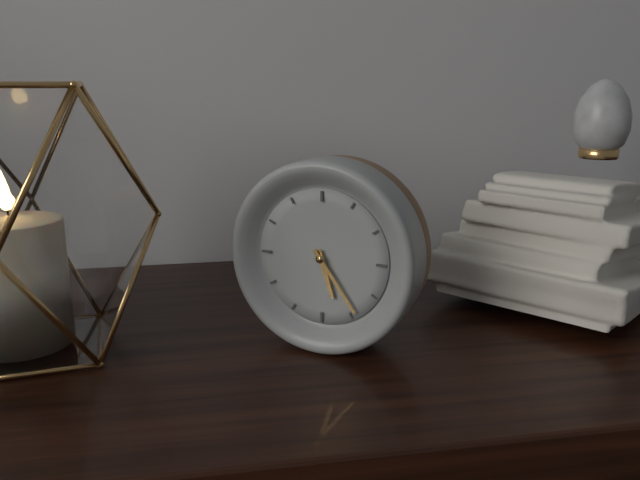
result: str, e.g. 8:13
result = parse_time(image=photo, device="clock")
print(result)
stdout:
5:24
